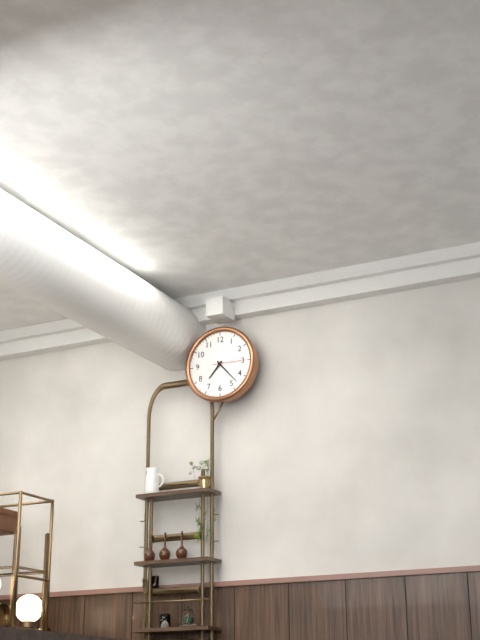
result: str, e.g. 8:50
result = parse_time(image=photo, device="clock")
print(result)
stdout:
7:23
